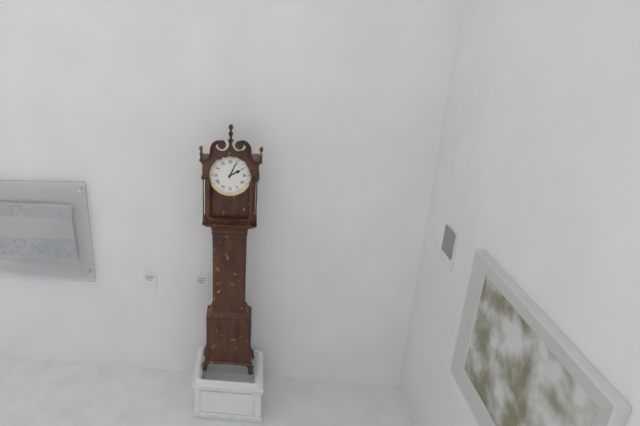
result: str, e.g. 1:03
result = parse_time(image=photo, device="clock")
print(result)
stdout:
2:04
